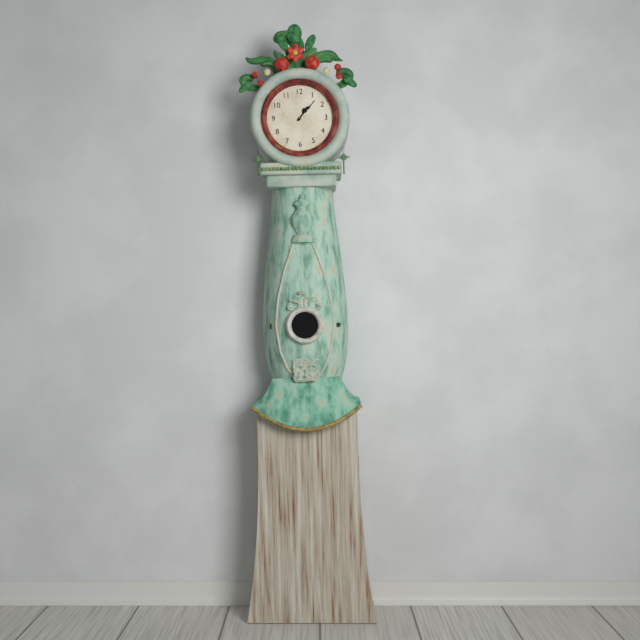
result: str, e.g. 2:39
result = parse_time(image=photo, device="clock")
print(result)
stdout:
1:07
